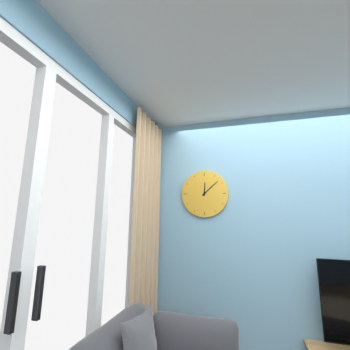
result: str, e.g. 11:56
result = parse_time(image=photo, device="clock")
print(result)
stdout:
12:08
